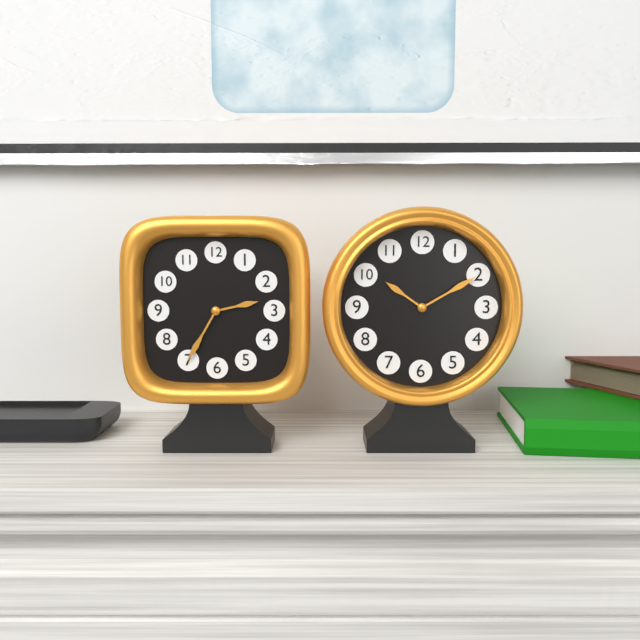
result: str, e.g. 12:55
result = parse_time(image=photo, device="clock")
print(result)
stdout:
2:35
